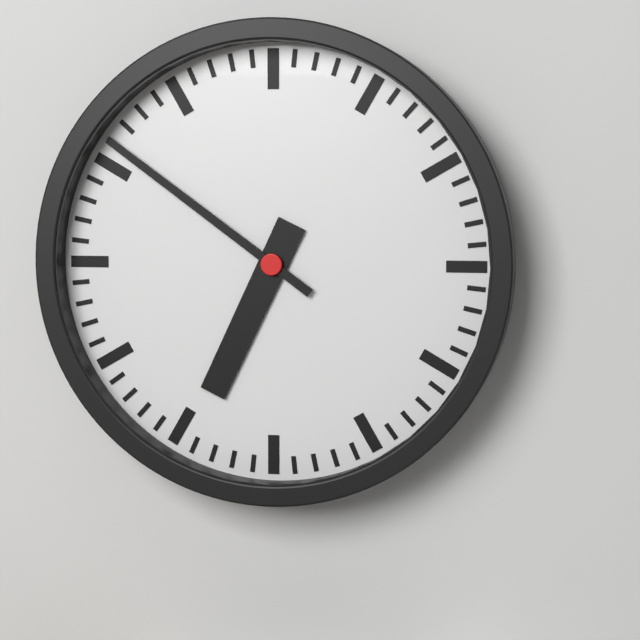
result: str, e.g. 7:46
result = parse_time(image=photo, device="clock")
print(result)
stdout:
6:51
